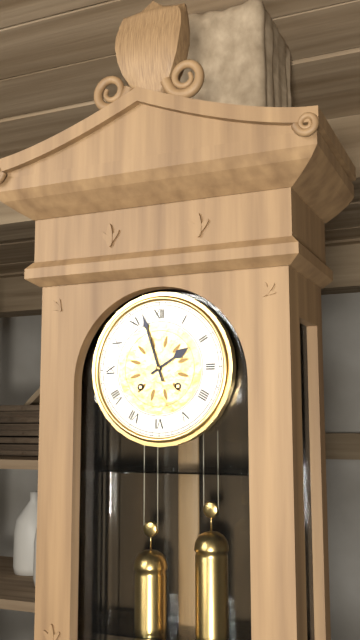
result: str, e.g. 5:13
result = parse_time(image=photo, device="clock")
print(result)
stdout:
1:57
